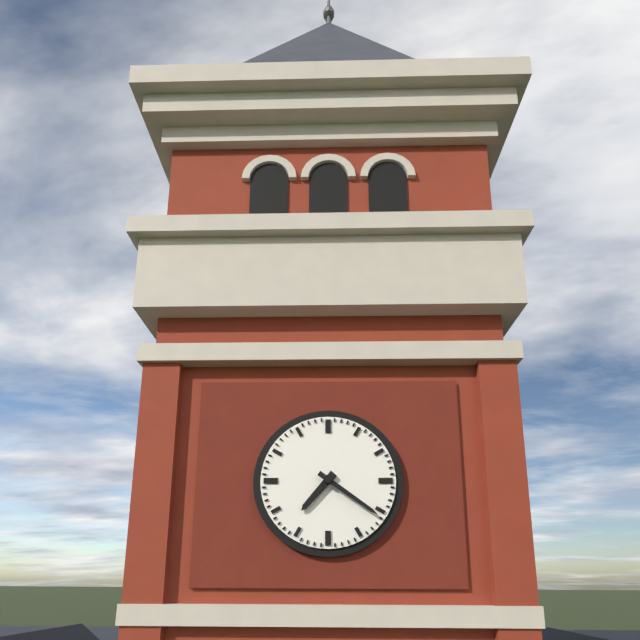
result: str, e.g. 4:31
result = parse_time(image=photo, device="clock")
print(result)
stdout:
7:21
